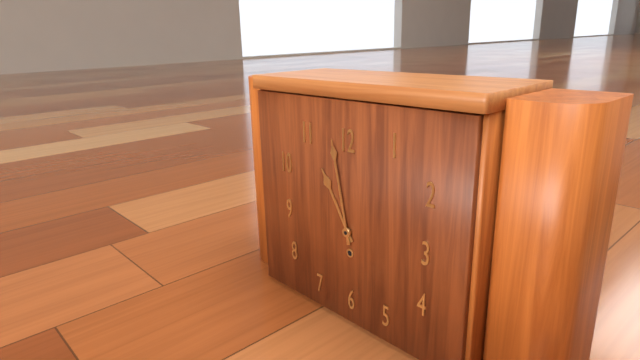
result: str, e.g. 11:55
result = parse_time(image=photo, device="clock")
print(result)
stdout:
10:58
